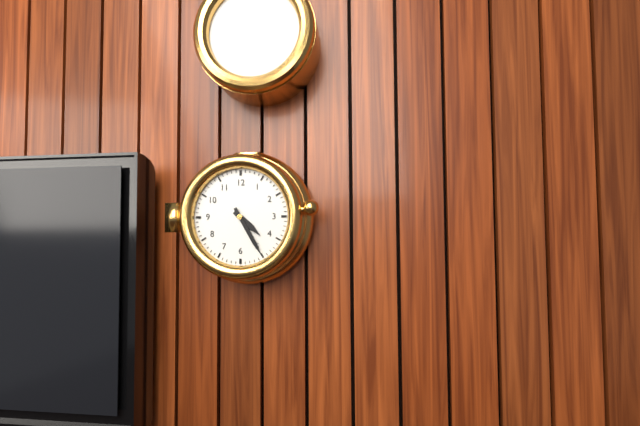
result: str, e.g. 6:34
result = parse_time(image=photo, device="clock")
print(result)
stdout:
4:25
